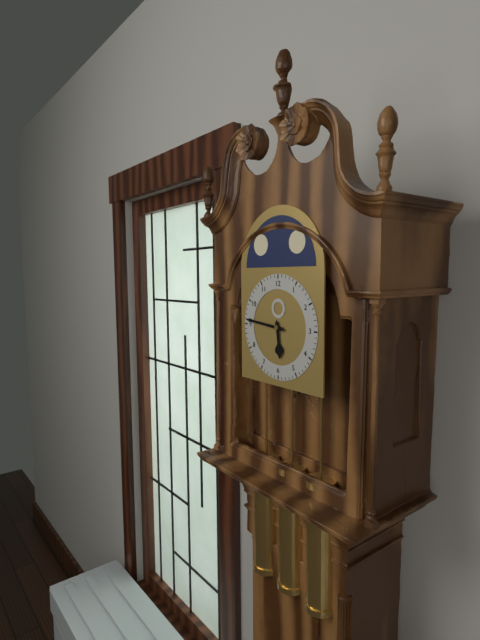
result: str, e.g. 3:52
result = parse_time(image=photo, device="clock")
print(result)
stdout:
5:46
